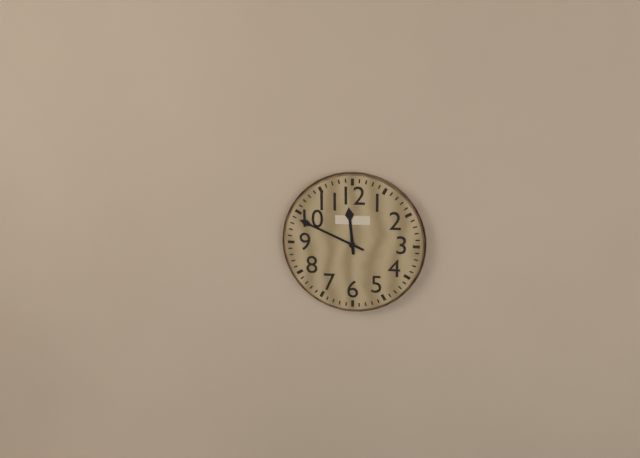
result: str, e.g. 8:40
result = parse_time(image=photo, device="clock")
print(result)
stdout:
11:49
